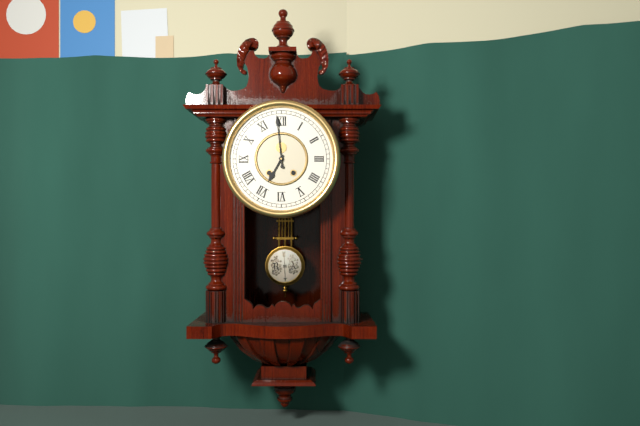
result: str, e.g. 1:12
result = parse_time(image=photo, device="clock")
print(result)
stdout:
6:59
